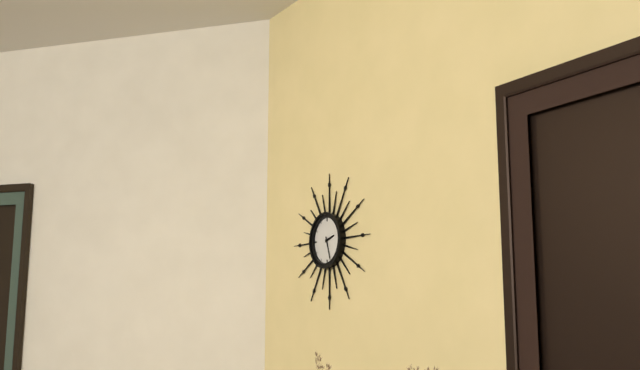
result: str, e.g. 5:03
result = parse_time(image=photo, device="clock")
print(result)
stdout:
2:27
